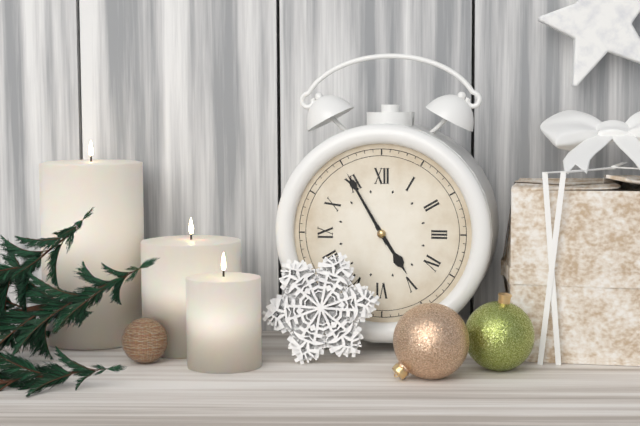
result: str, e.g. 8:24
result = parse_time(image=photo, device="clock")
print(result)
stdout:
4:55
